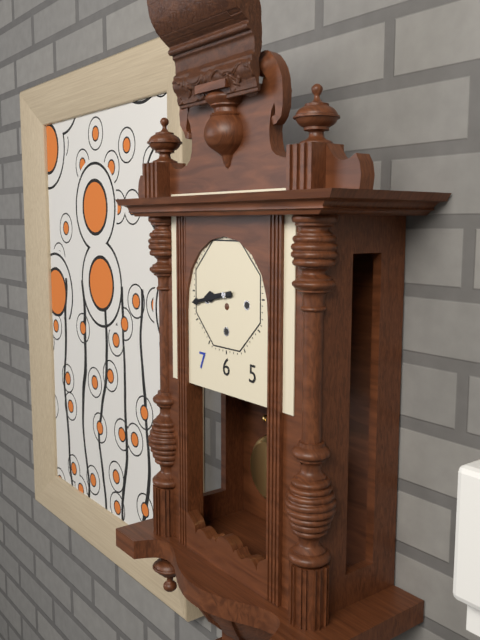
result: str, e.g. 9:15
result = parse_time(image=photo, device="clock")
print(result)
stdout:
8:43
